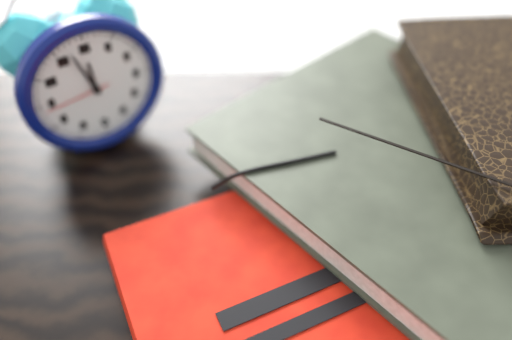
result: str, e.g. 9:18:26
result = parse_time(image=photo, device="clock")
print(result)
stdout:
11:57:44
